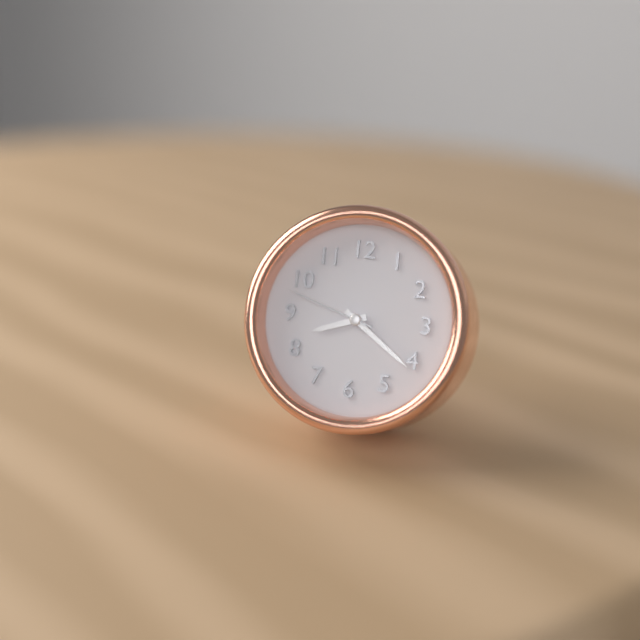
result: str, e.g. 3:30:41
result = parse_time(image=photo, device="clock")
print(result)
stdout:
8:21:48
